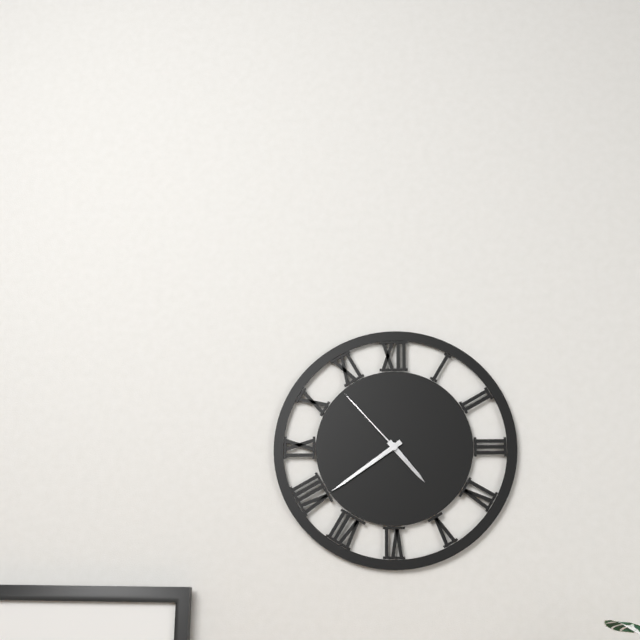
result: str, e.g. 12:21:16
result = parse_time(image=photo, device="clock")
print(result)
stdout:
4:39:53
